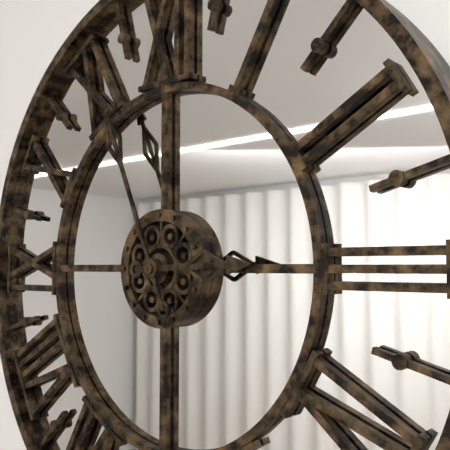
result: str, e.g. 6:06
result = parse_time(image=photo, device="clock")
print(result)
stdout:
2:56
